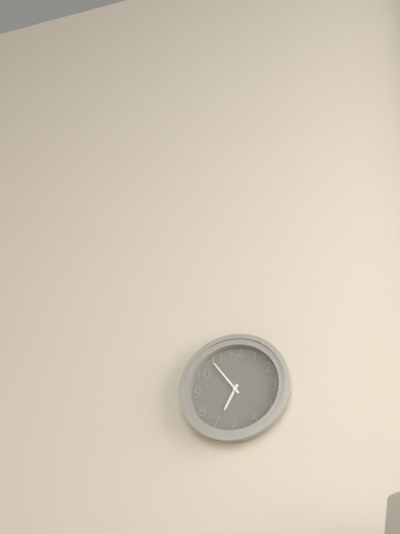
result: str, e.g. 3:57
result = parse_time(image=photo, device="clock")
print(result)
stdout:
6:54
